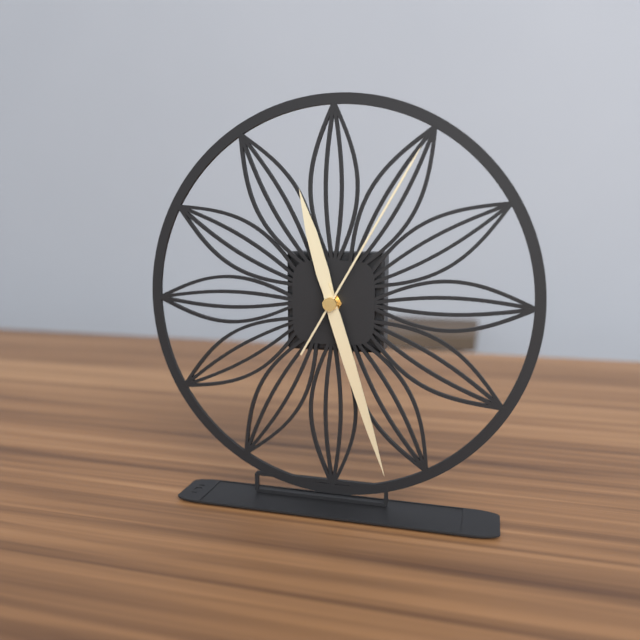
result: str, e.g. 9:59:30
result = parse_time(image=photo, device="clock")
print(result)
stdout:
11:27:05
